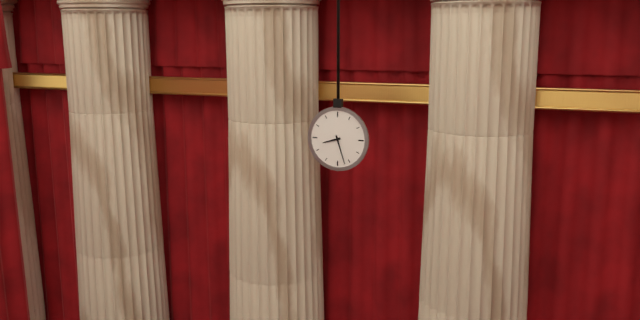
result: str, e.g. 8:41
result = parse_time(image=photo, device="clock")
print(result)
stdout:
8:27
